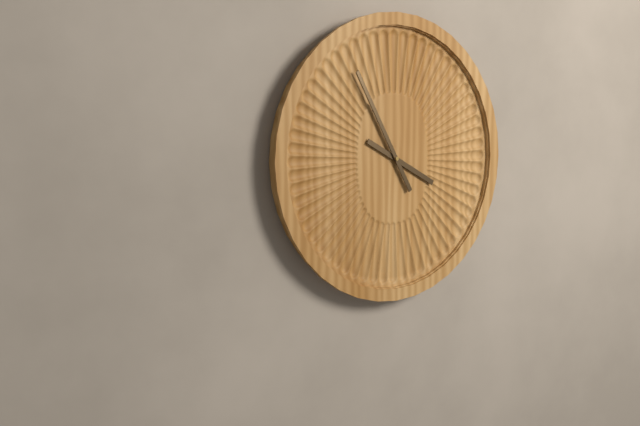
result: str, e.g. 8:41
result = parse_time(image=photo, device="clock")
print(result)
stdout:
3:55
